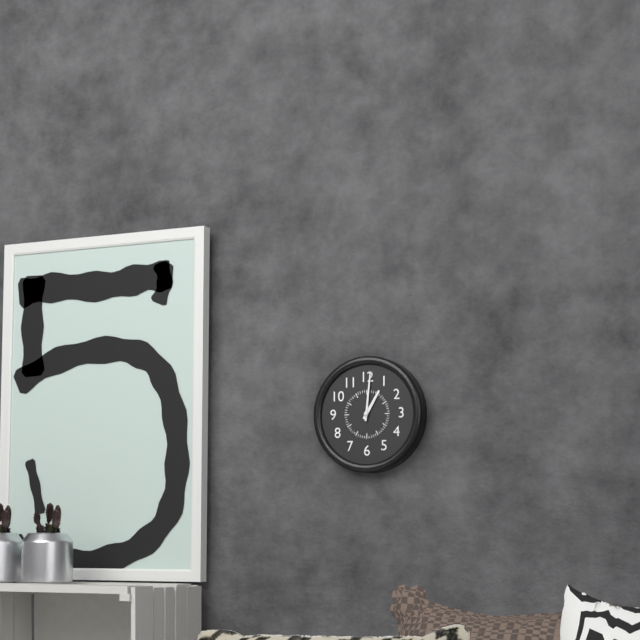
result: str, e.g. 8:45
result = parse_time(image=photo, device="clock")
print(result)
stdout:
1:01
